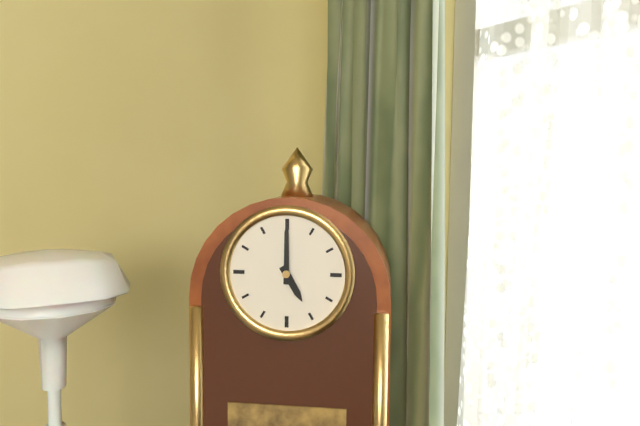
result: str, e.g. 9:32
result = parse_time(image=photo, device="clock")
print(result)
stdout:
5:00
